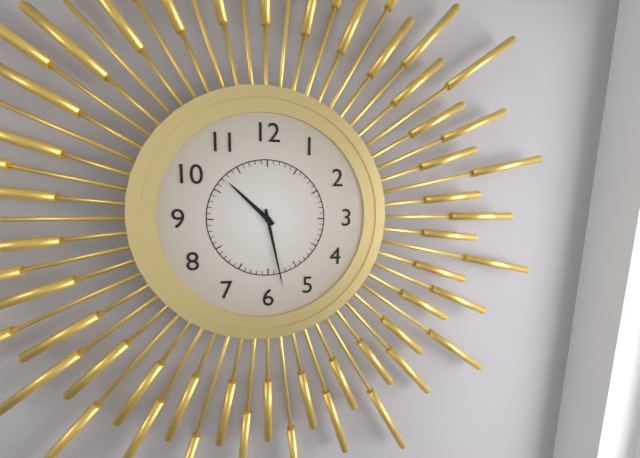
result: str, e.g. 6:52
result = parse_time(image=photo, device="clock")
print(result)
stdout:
10:28
